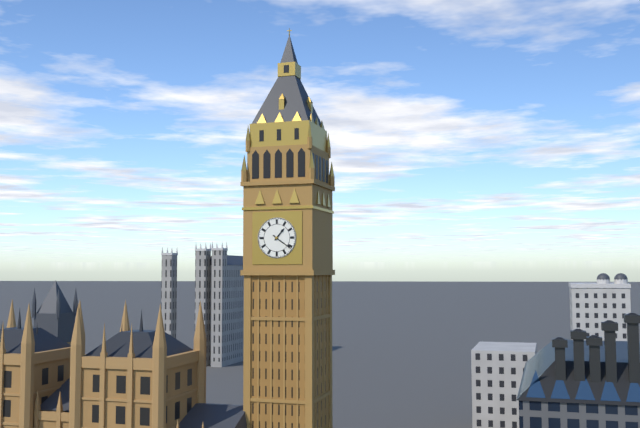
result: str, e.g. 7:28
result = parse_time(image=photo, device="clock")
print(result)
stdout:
1:21
